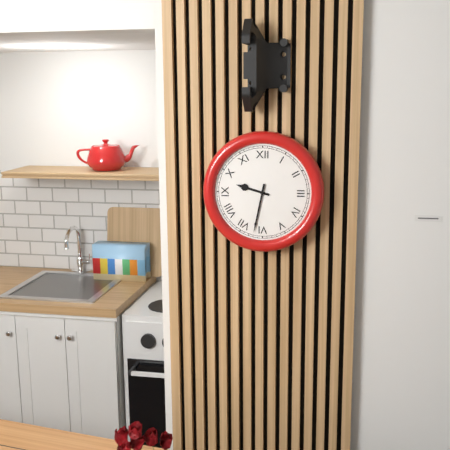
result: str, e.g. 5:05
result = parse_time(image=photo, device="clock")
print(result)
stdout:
9:32
